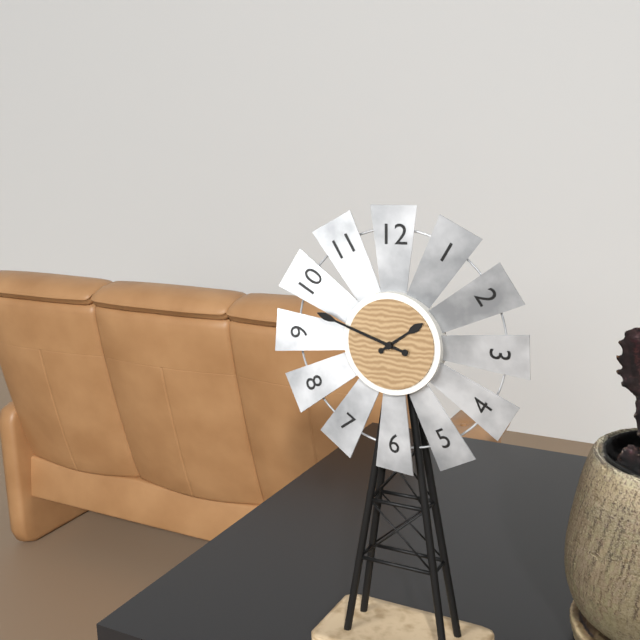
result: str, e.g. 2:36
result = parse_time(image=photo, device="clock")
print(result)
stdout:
1:48
